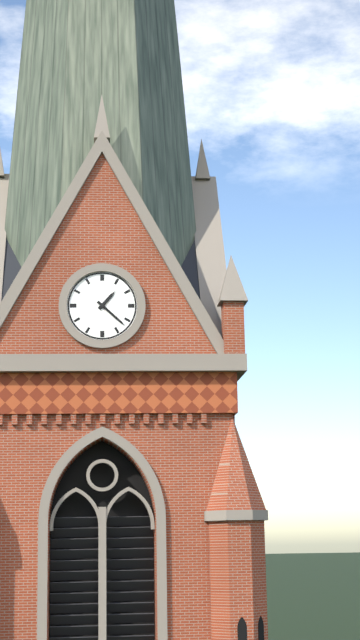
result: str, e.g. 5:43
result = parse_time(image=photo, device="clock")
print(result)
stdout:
1:22
